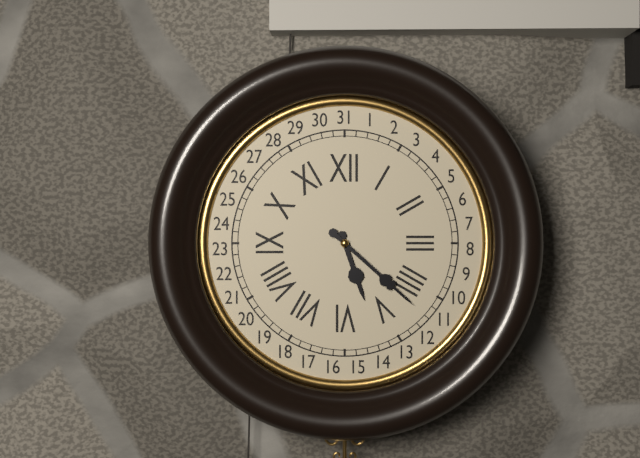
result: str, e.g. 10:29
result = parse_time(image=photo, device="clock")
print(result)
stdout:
5:22
